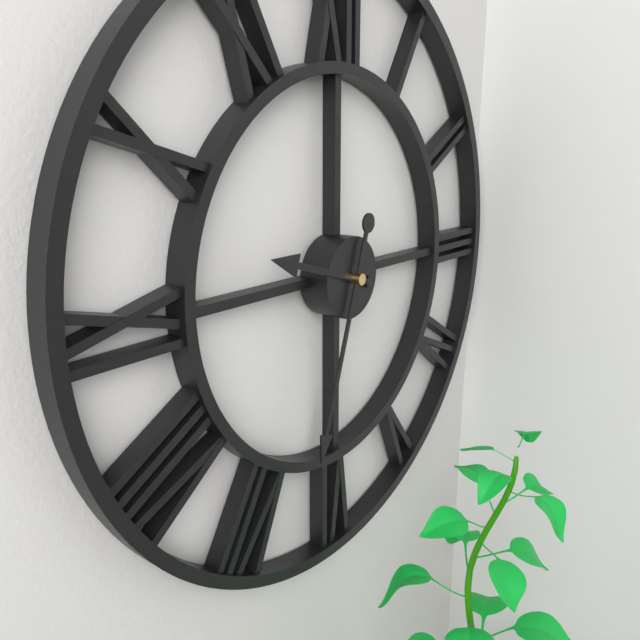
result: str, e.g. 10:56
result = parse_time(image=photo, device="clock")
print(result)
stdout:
9:33
